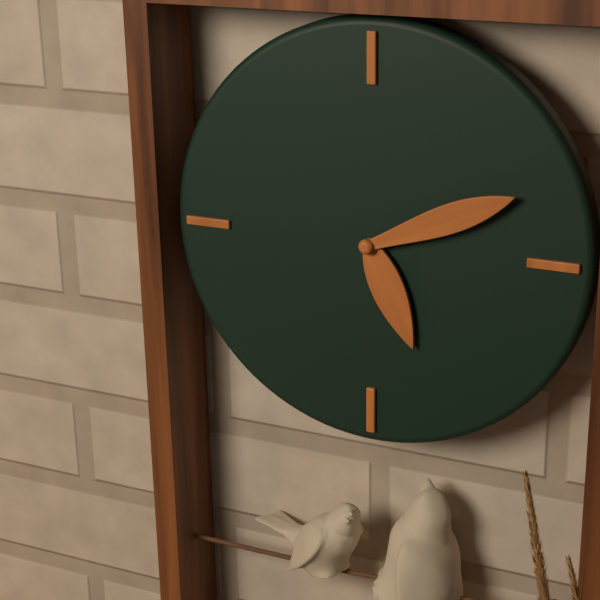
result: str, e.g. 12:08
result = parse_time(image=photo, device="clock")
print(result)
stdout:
5:11
